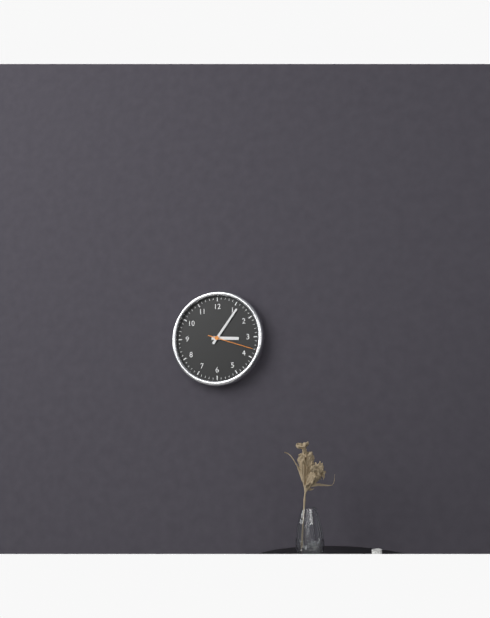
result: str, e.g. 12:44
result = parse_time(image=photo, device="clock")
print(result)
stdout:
3:06
